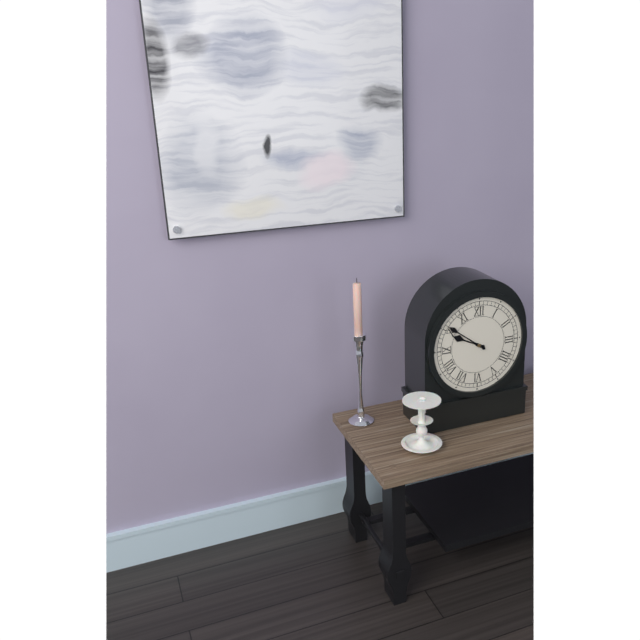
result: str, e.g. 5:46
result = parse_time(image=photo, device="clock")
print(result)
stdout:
9:51
